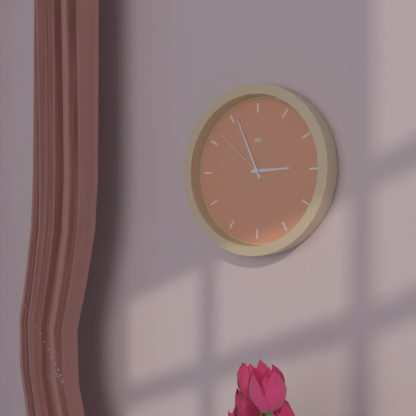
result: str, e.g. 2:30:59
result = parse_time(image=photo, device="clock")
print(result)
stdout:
2:56:52
